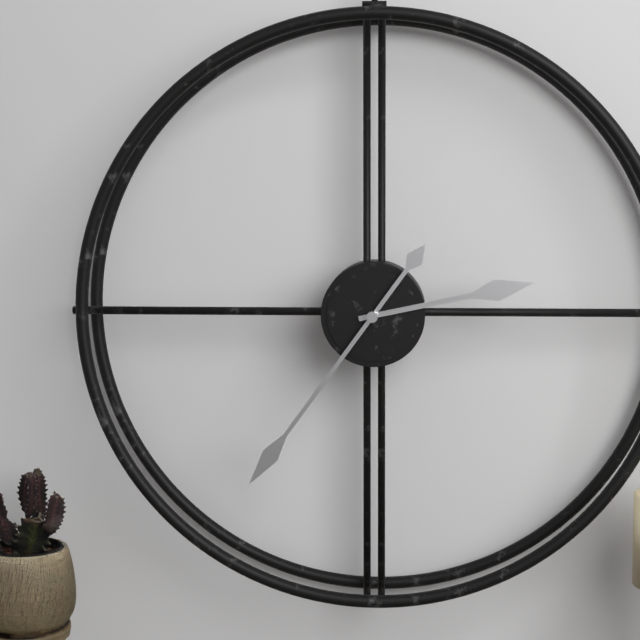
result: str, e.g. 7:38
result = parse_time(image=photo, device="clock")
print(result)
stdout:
2:36
